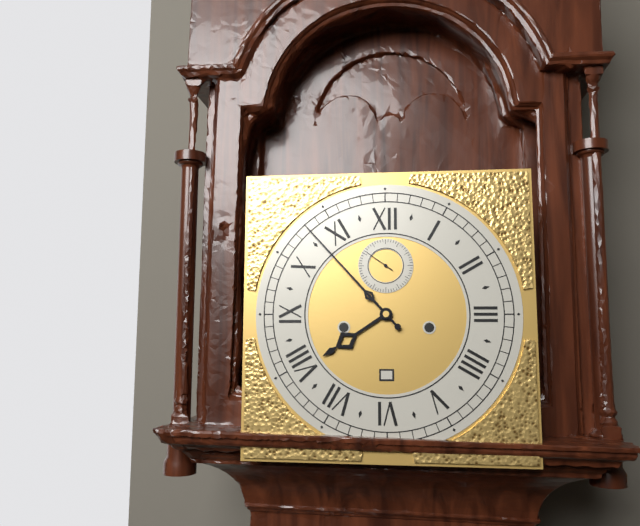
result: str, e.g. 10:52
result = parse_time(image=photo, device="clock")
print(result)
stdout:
7:53
